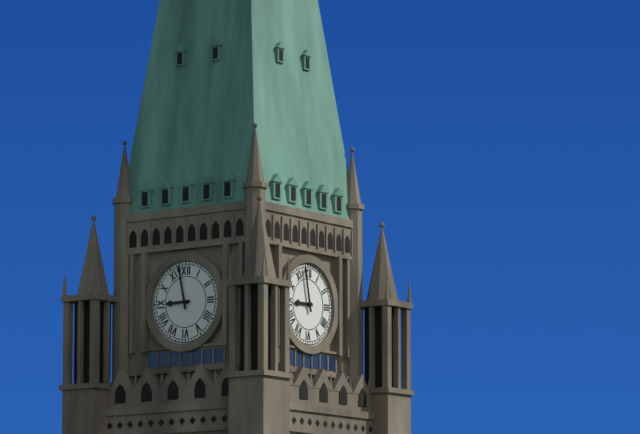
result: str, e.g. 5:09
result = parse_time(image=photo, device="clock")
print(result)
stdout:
8:58
